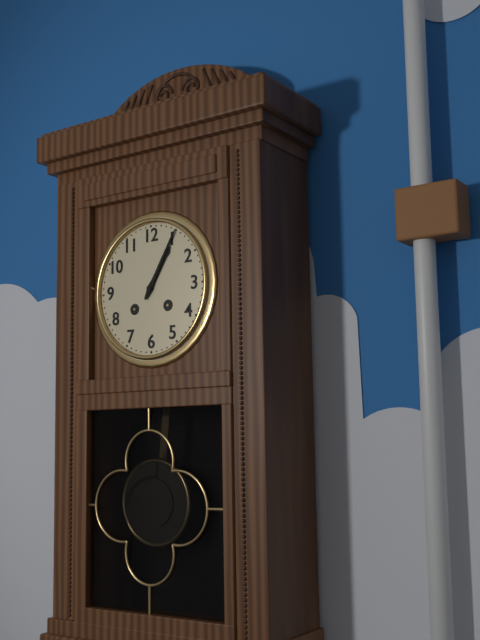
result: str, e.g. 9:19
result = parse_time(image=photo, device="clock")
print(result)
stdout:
1:05
